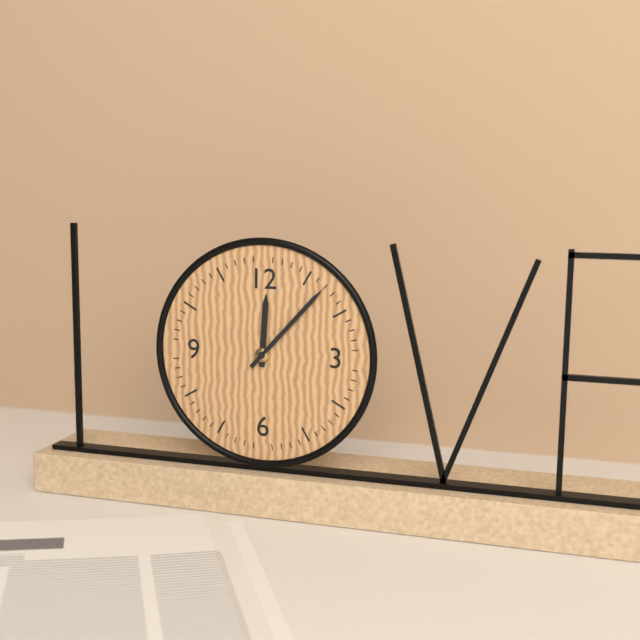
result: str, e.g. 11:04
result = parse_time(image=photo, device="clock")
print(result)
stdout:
12:07
